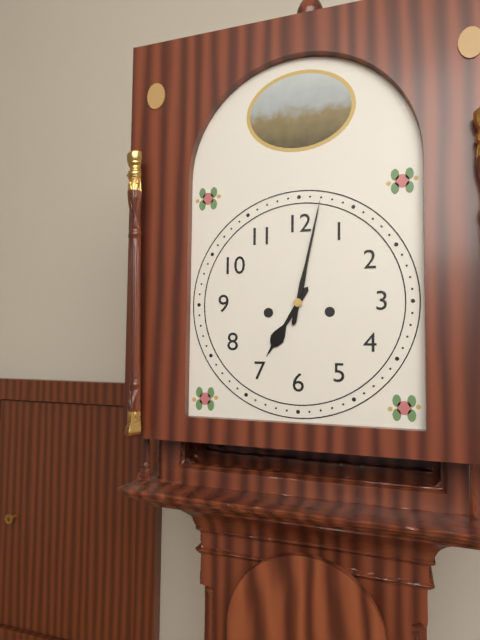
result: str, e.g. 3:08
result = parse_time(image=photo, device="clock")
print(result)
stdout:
7:02
